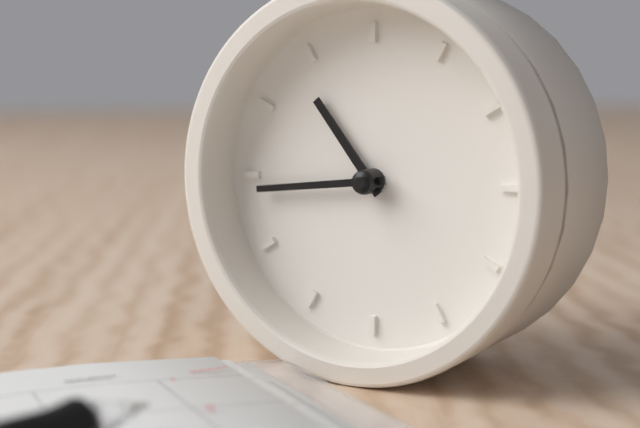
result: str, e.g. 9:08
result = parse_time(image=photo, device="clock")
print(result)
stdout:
10:44
